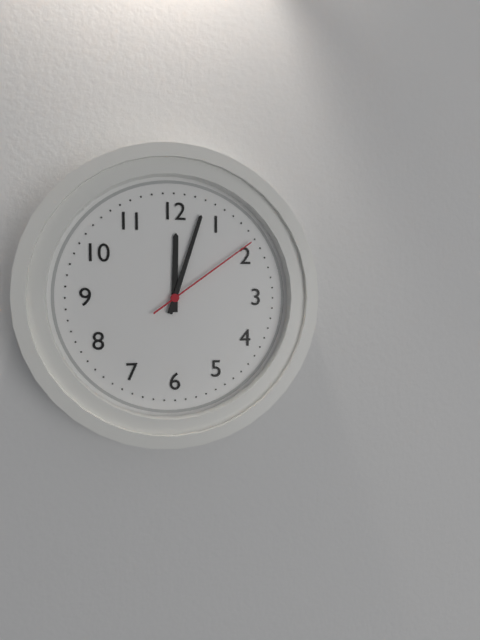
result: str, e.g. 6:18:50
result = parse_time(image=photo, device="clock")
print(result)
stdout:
12:03:09
